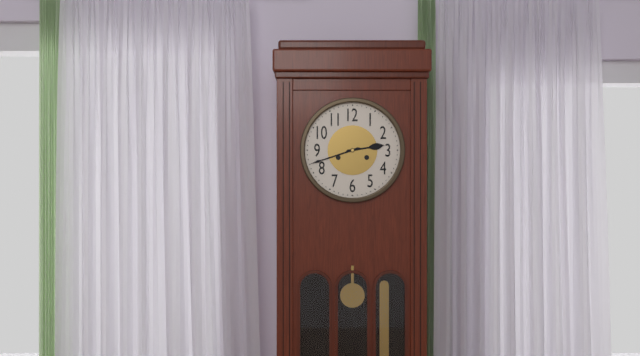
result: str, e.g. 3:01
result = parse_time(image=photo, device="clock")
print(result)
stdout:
2:42
